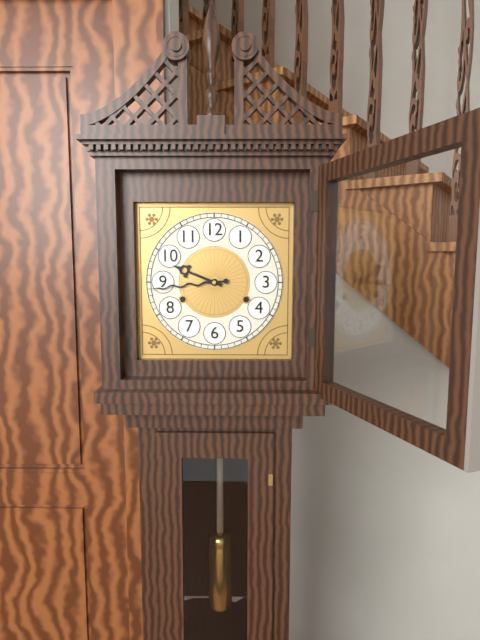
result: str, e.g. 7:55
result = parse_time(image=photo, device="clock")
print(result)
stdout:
9:44
